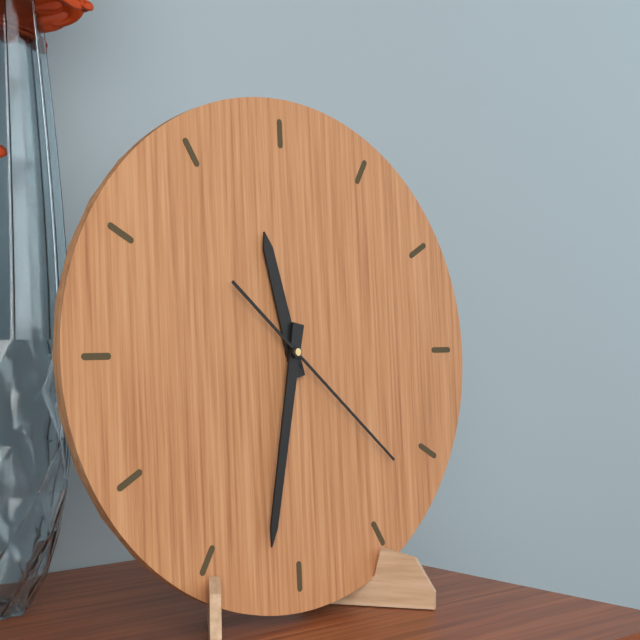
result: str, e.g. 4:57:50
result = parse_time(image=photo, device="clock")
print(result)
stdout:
11:32:22
